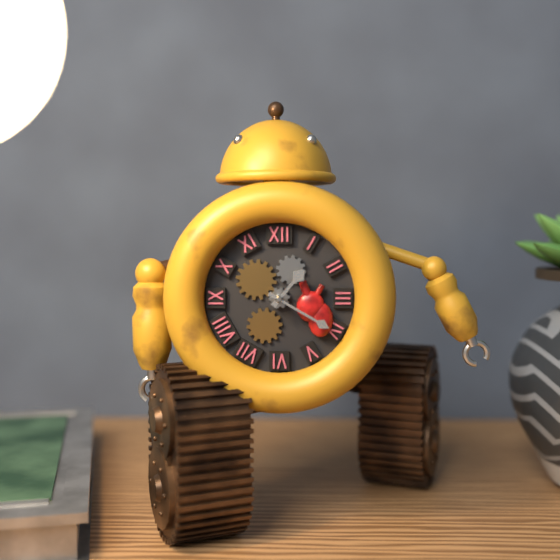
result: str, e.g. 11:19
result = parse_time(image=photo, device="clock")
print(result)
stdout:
1:20
